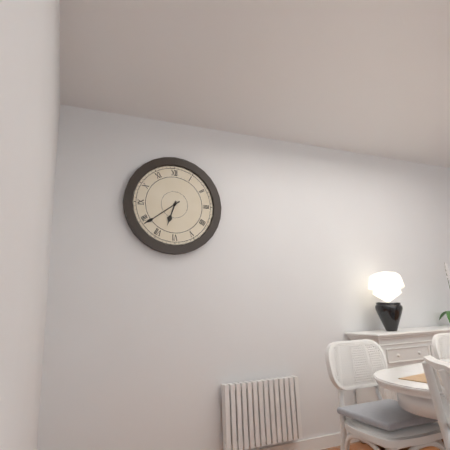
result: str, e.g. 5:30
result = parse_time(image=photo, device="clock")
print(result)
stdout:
6:39
